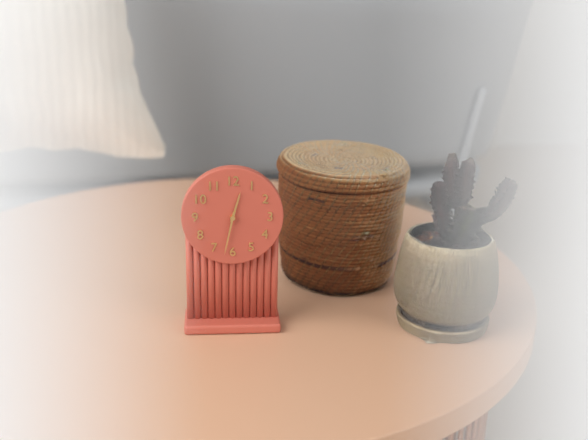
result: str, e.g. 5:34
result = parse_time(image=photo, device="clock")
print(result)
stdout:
12:32
